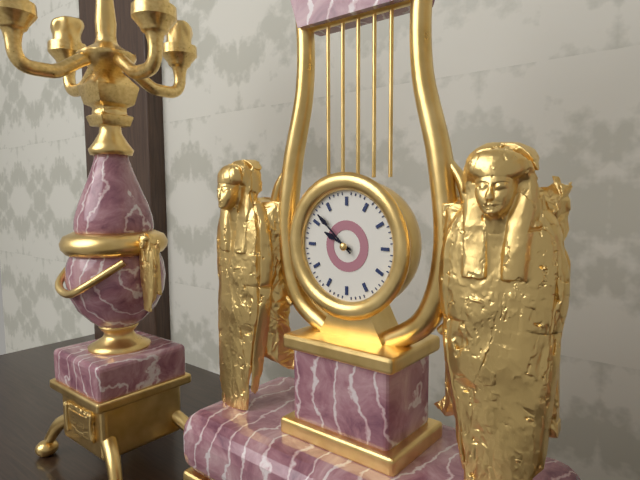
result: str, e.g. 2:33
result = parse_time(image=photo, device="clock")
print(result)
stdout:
9:52
